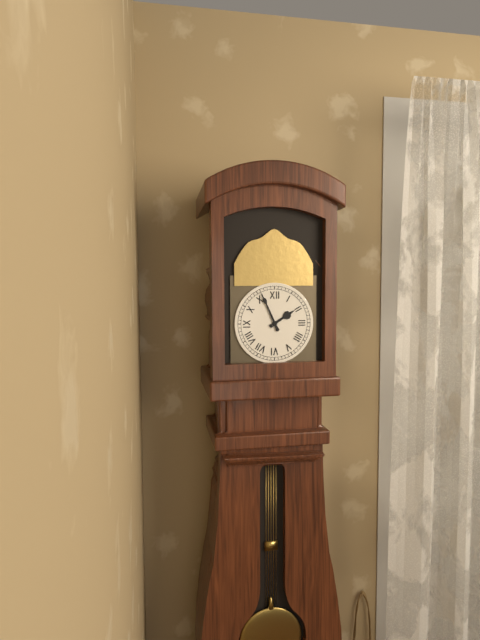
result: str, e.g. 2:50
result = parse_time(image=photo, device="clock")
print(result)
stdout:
1:56
